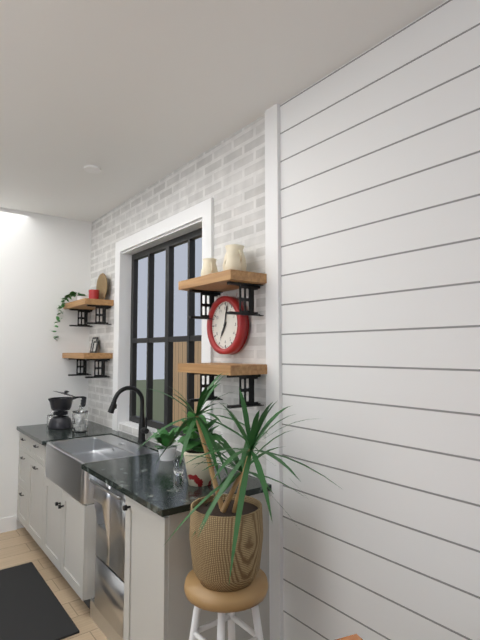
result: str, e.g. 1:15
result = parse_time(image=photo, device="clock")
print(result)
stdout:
7:02
